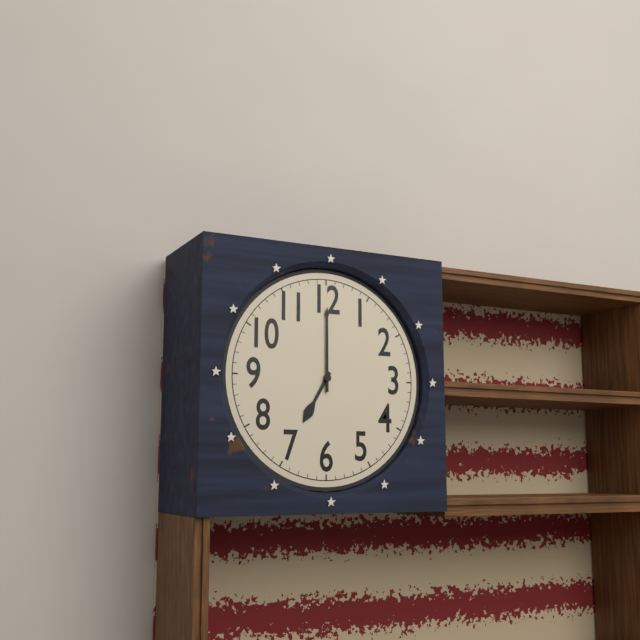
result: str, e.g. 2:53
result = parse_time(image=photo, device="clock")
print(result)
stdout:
7:00
